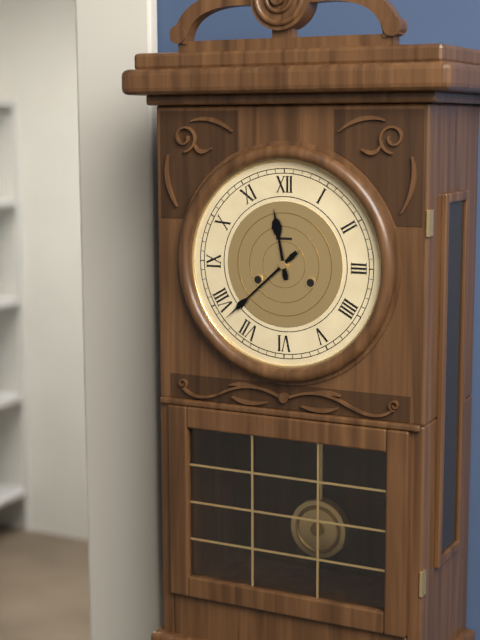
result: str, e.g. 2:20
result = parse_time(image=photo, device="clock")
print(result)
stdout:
11:38
